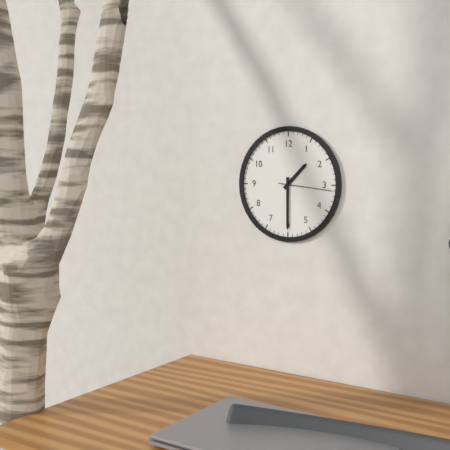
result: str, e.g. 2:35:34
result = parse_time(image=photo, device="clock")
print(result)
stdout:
1:30:16
